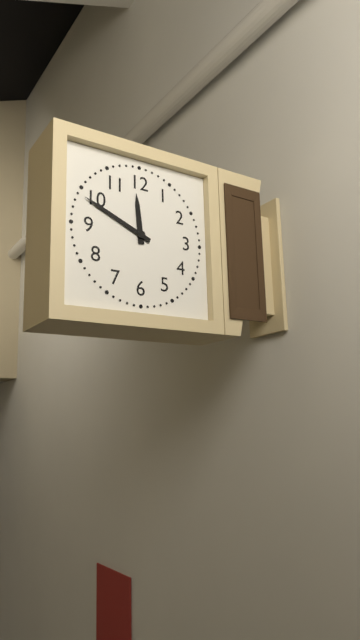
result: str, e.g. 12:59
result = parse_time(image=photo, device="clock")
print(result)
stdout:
11:49
